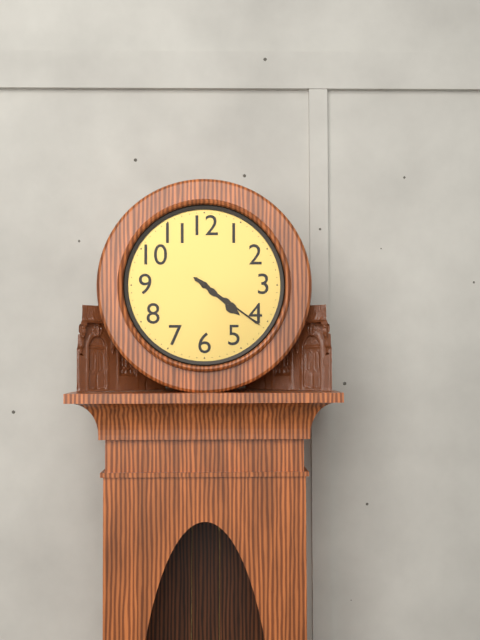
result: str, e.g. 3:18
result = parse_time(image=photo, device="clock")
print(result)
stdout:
4:21
